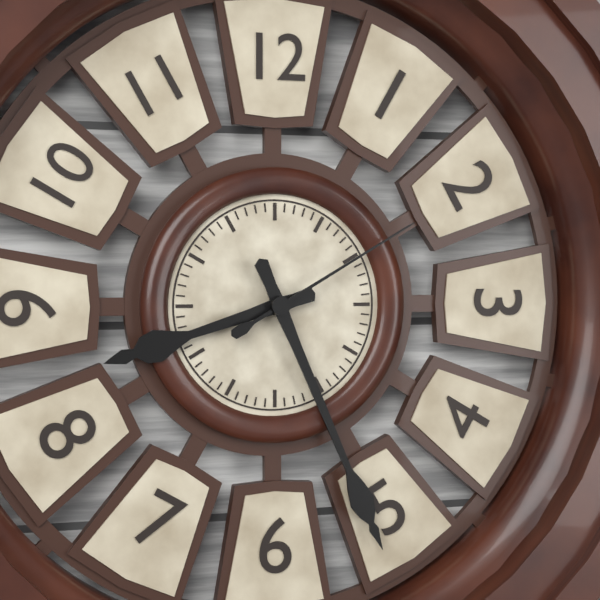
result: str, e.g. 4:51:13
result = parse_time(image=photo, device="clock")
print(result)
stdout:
8:26:10
